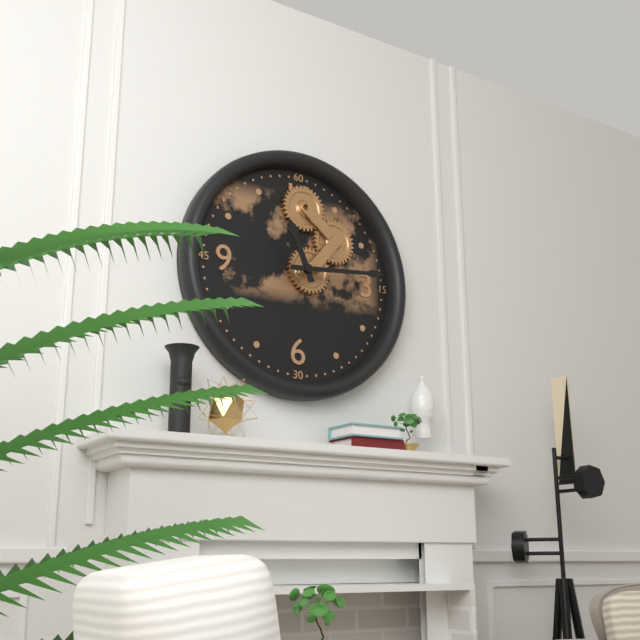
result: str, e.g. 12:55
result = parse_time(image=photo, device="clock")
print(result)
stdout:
11:14
